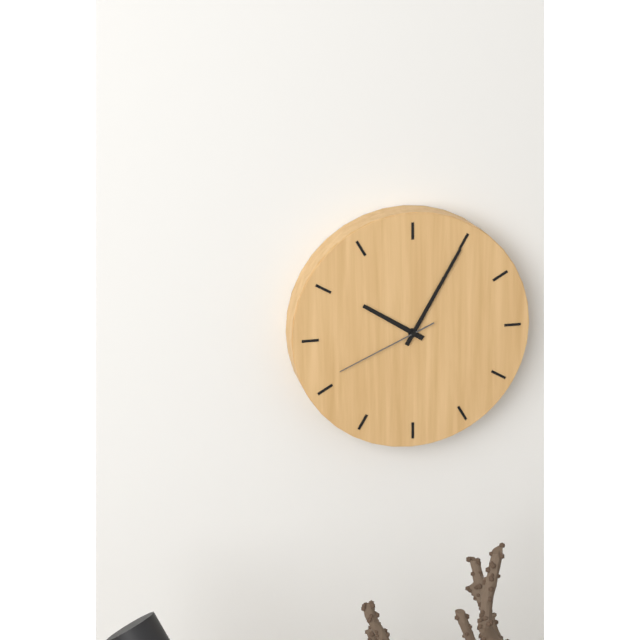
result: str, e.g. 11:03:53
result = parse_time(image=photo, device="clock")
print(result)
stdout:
10:05:41
